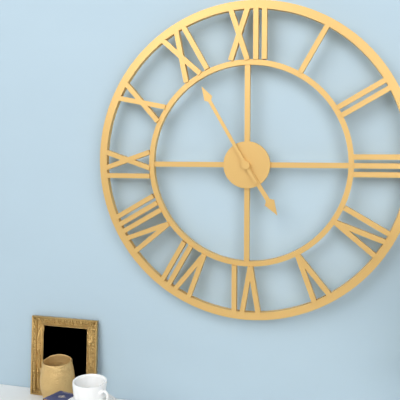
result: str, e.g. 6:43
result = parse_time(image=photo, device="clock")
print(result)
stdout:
4:55
